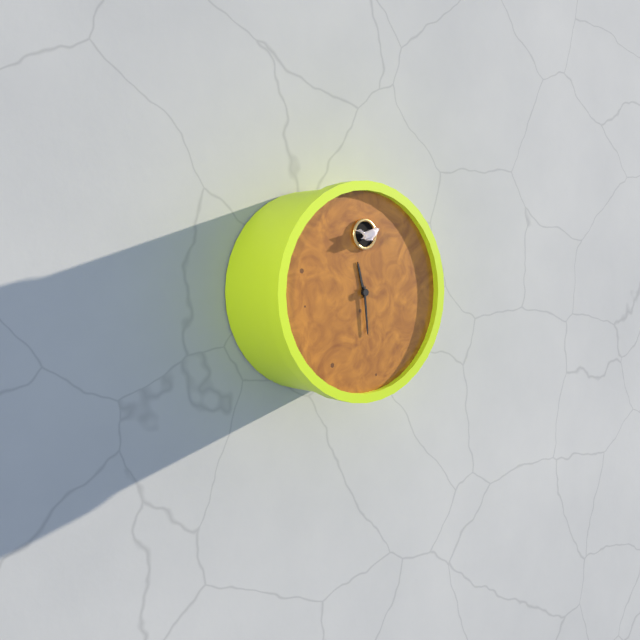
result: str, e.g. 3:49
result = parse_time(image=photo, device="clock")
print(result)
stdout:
11:29
